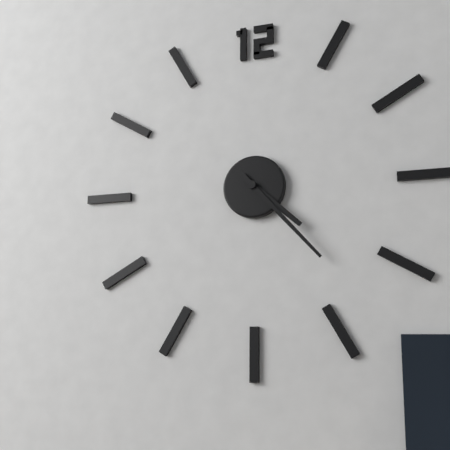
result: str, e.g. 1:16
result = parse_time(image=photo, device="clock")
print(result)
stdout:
4:23
